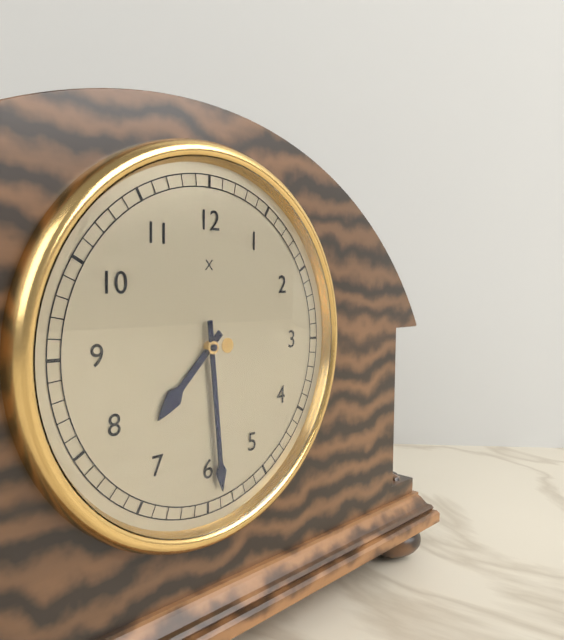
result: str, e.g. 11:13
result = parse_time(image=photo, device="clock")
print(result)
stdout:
7:29
